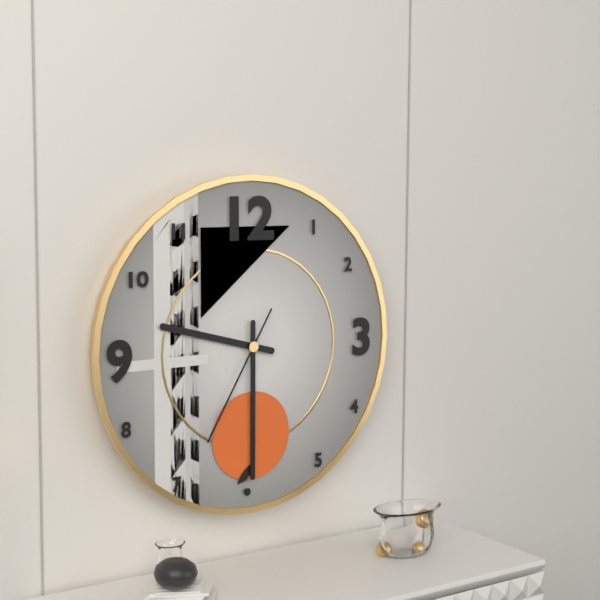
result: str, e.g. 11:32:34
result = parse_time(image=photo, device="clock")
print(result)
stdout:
9:30:35
